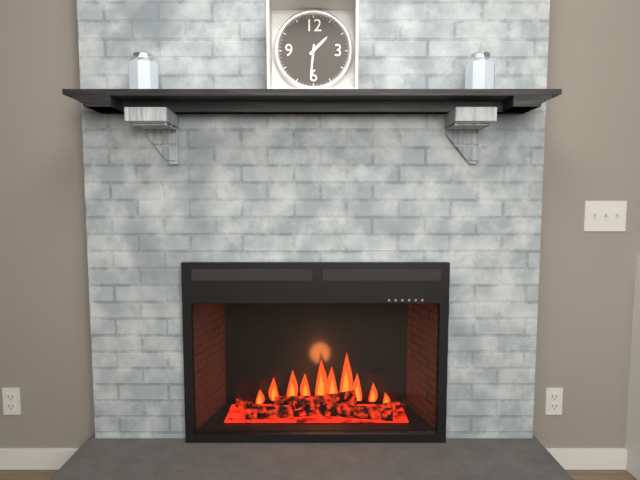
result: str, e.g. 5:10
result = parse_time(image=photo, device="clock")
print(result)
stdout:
1:31
